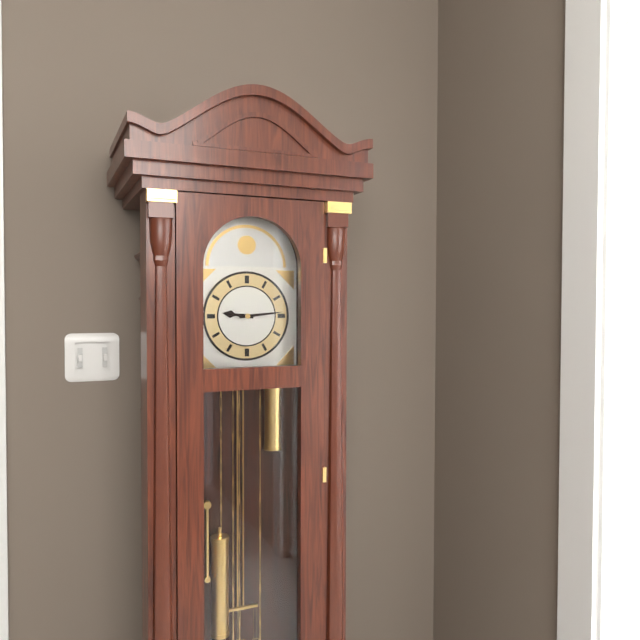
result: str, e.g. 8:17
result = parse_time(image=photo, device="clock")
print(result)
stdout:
9:14
